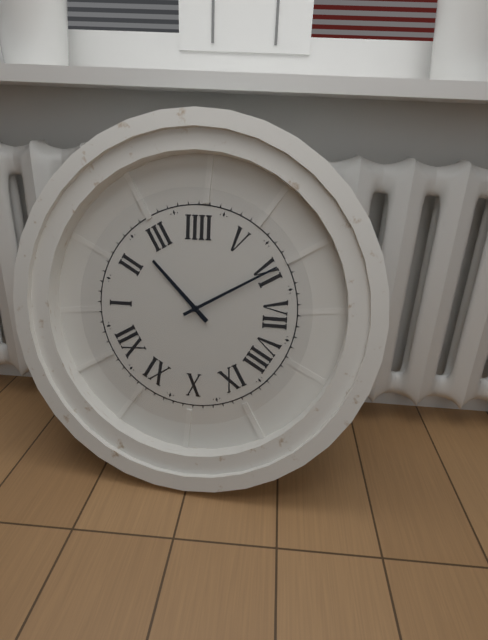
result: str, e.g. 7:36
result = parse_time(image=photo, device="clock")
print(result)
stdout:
2:30
